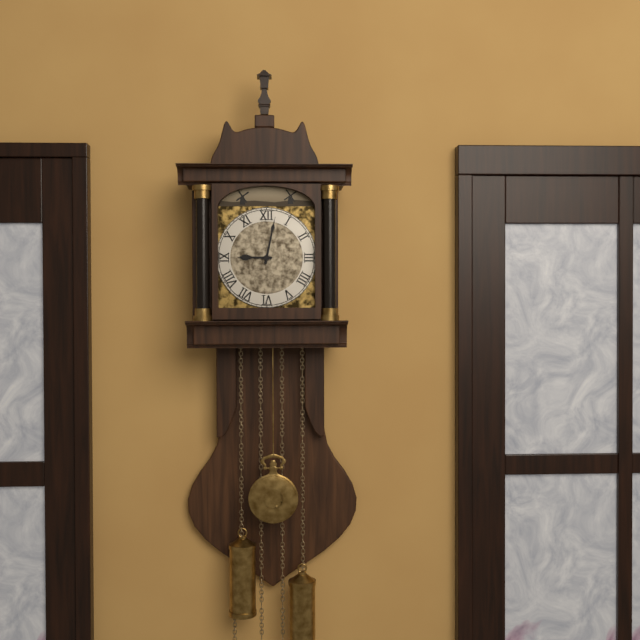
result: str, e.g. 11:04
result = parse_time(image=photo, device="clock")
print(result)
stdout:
9:02
